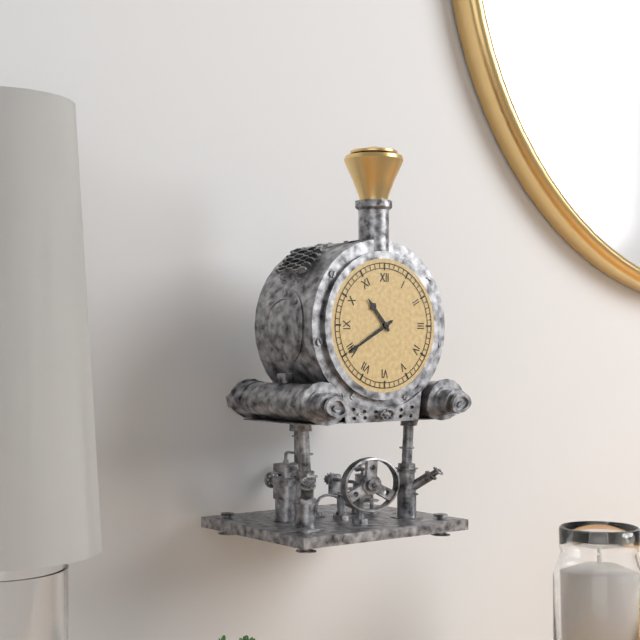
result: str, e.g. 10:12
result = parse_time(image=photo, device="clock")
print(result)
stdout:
10:40
